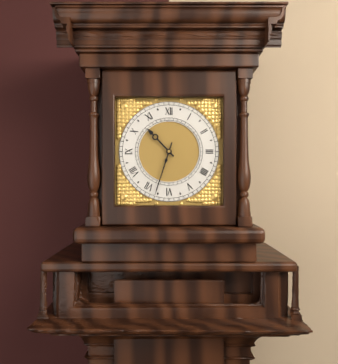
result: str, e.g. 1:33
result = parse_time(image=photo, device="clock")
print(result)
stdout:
10:33
